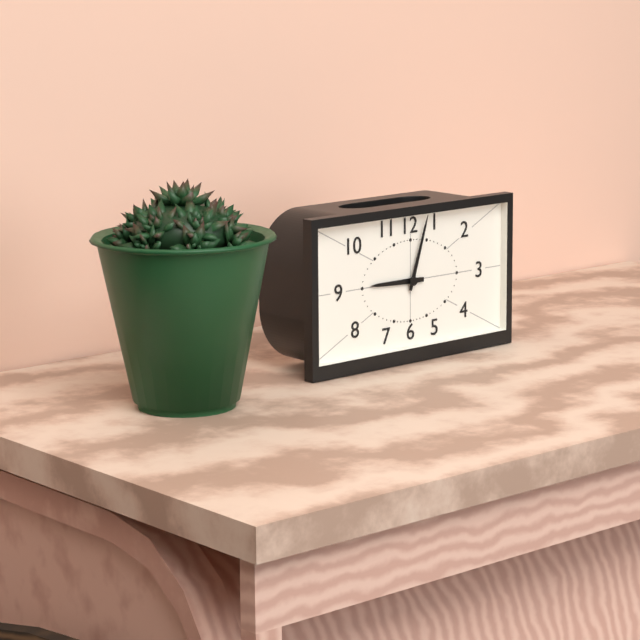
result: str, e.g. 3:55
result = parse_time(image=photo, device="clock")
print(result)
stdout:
9:03
